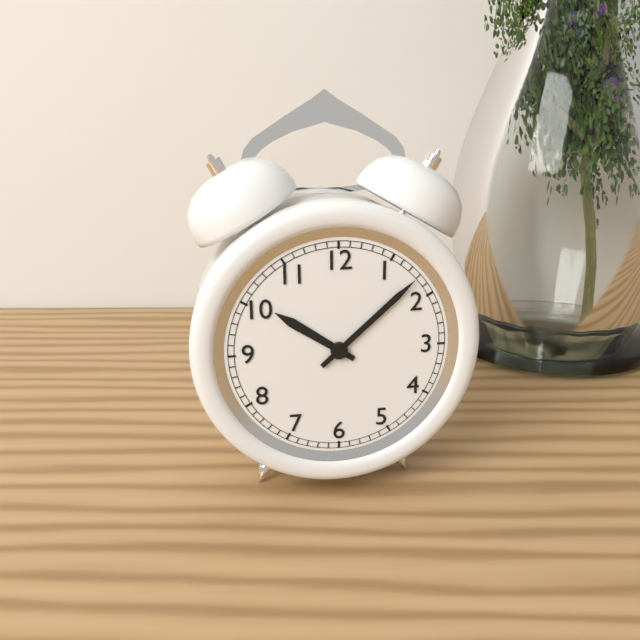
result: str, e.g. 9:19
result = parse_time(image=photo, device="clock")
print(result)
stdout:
10:08
